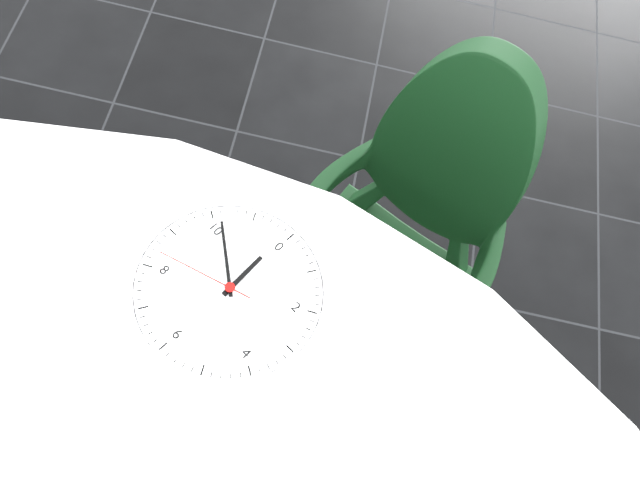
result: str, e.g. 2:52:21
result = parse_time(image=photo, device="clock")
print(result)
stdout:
11:51:42
